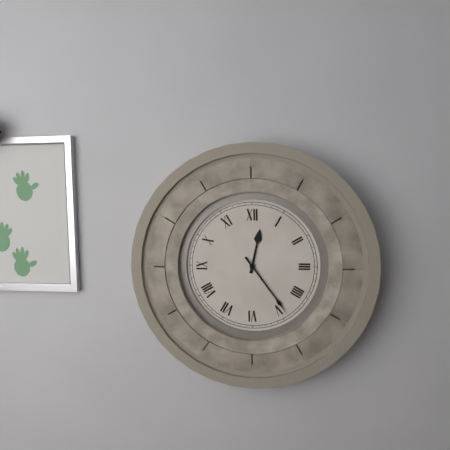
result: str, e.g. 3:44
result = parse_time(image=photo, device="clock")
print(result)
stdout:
12:24
